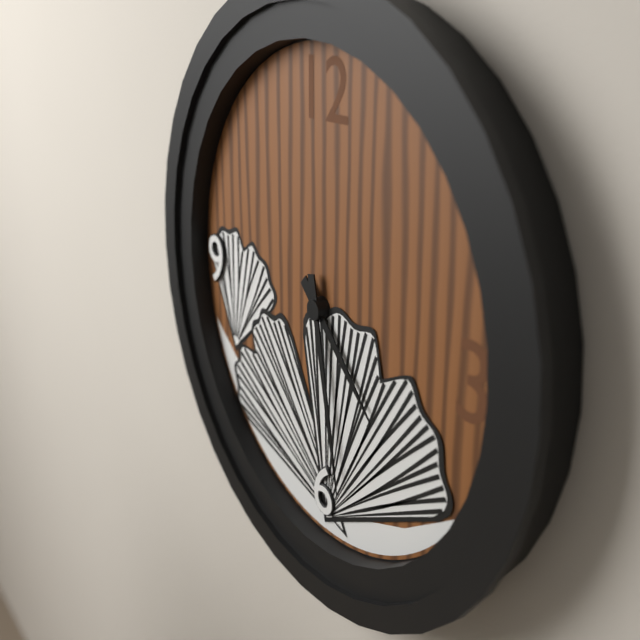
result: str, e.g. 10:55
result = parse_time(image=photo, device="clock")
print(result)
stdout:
4:28
